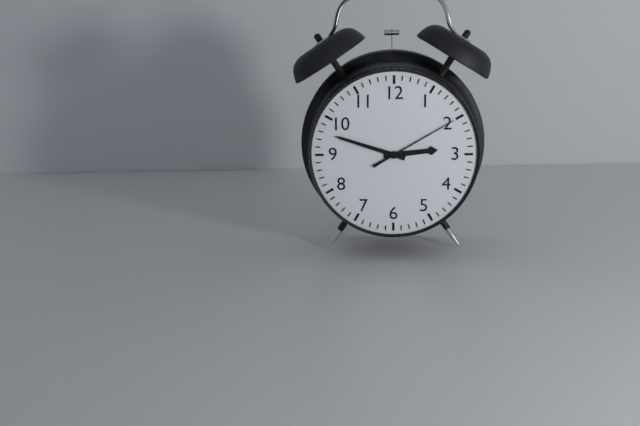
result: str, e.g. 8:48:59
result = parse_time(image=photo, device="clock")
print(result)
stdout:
2:48:10
